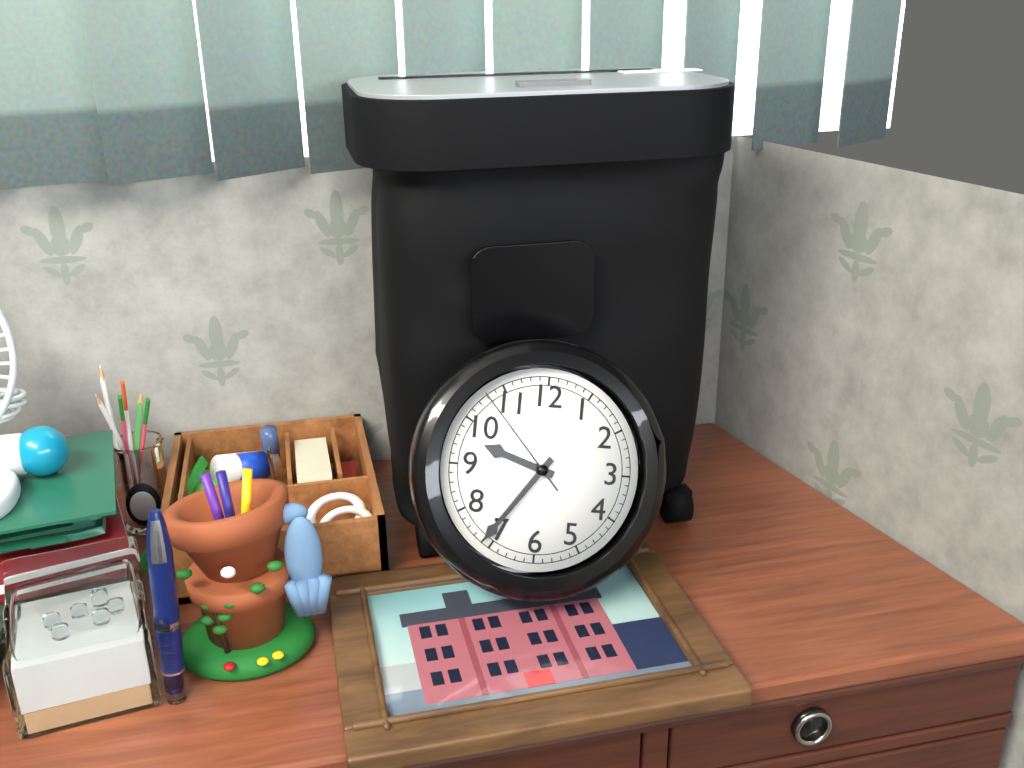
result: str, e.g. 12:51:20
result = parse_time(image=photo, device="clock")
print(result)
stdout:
9:36:53
